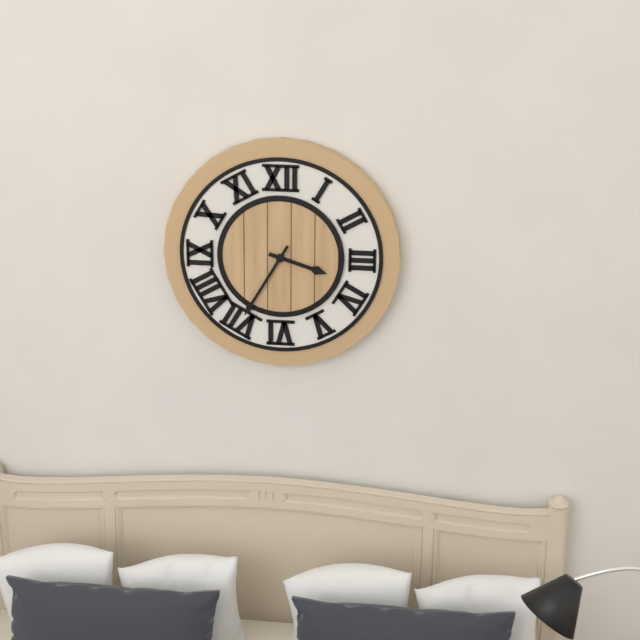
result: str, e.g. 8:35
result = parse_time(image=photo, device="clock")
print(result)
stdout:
3:35
